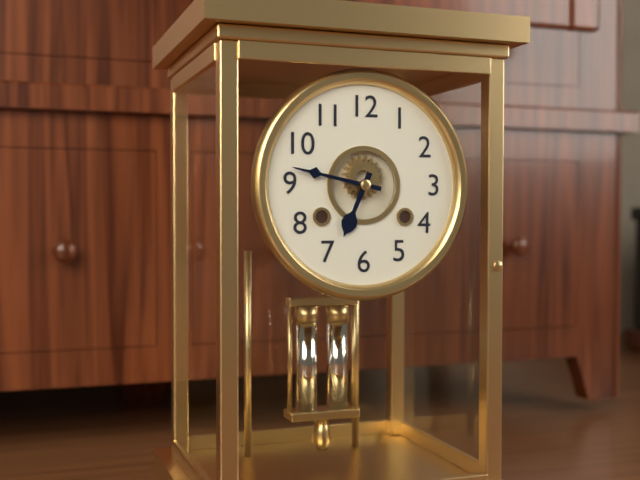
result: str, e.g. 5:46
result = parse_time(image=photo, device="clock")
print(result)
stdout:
6:47
